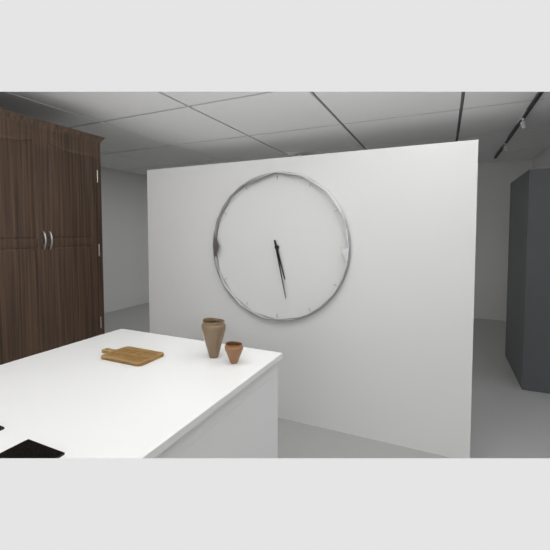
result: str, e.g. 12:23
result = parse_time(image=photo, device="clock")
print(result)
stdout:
5:28
